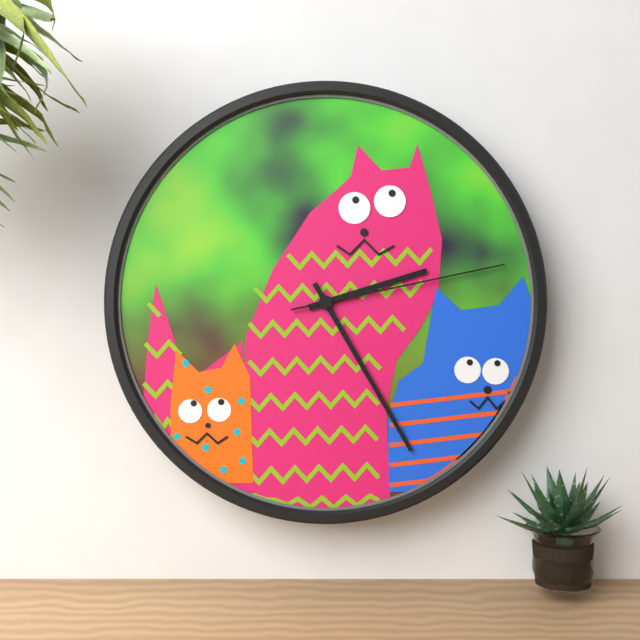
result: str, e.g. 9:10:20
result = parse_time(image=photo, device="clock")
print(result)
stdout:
2:25:13
